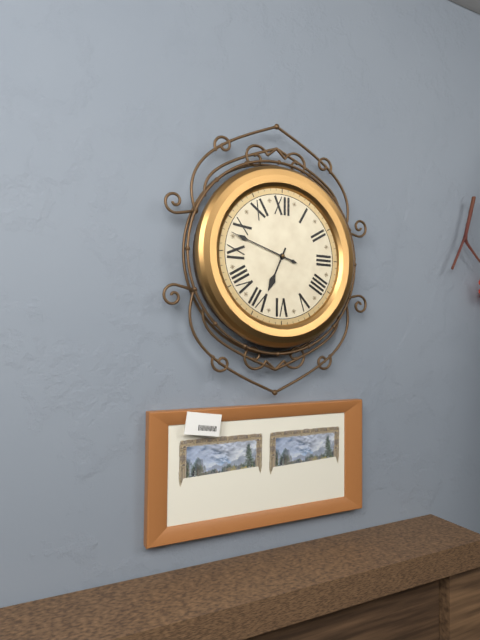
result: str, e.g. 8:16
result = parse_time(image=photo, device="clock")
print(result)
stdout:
6:48
